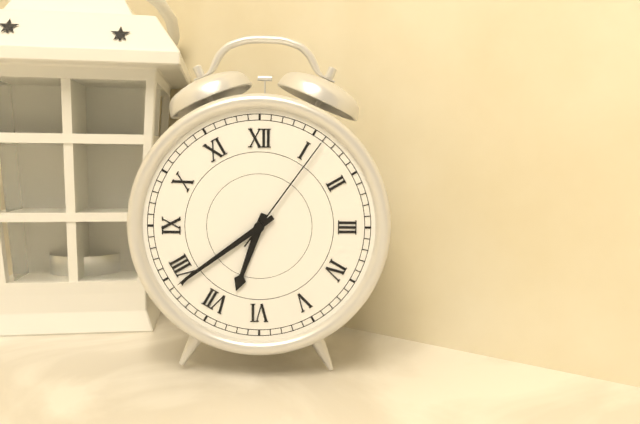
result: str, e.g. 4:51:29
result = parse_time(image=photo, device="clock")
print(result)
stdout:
6:39:06
